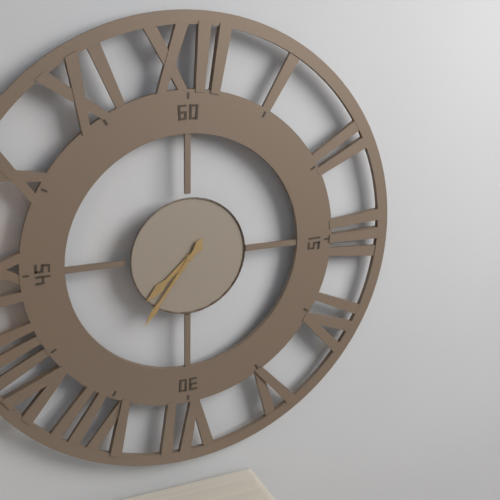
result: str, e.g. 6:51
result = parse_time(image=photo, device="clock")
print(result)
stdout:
7:36
